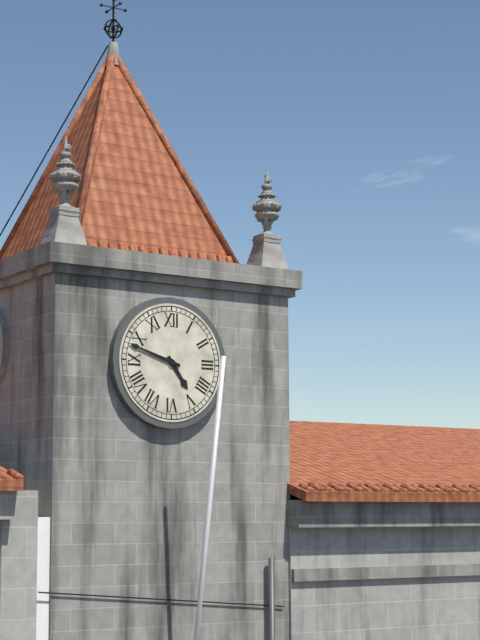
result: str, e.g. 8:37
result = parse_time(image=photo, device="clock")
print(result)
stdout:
4:48
